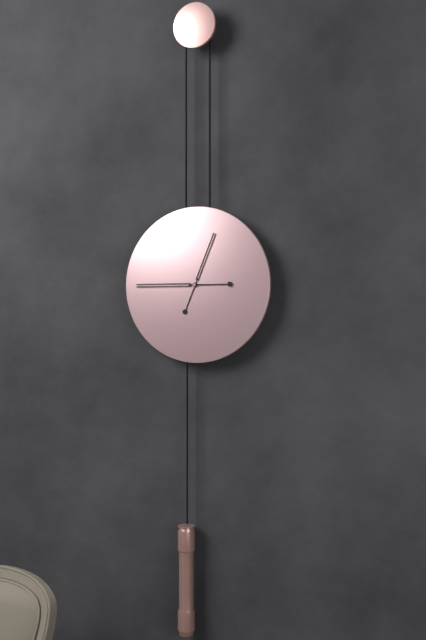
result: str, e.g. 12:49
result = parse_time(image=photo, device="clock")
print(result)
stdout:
12:45
